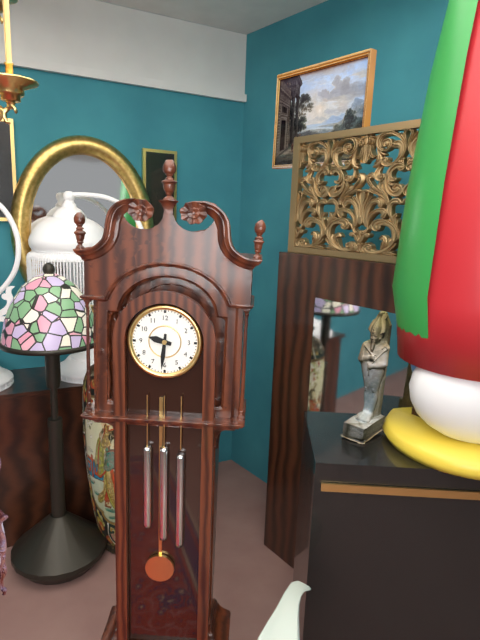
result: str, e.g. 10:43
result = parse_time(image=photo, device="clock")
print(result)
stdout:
9:31
